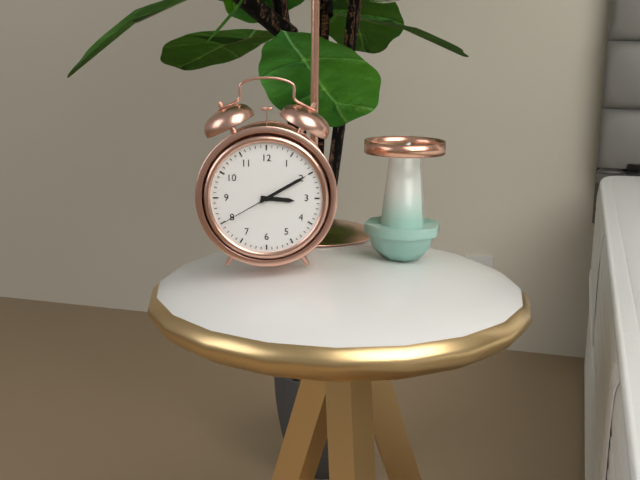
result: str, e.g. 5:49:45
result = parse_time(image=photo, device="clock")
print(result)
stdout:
3:10:40
